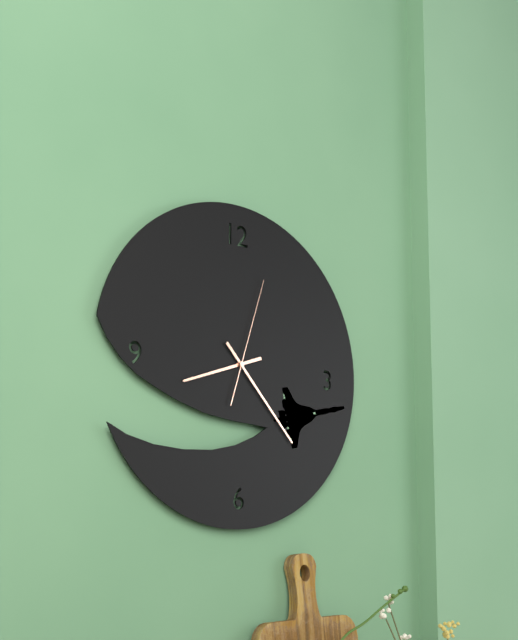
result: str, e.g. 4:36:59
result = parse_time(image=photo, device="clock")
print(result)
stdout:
8:23:03
